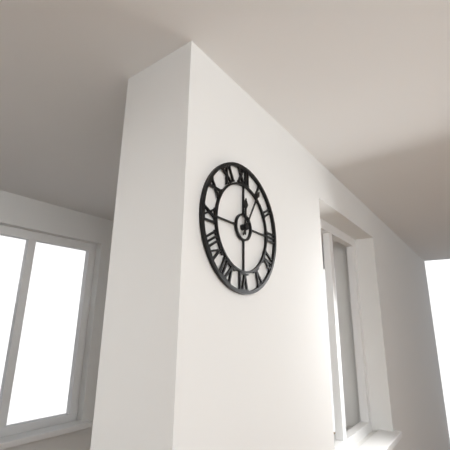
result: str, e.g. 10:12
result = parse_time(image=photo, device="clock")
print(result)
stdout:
12:05
